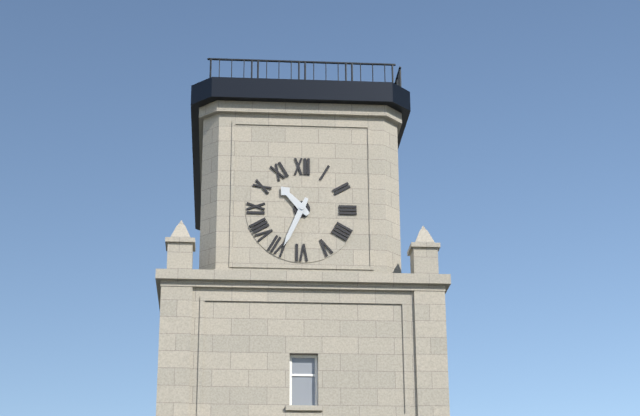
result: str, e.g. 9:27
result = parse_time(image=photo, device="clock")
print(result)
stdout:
10:34
